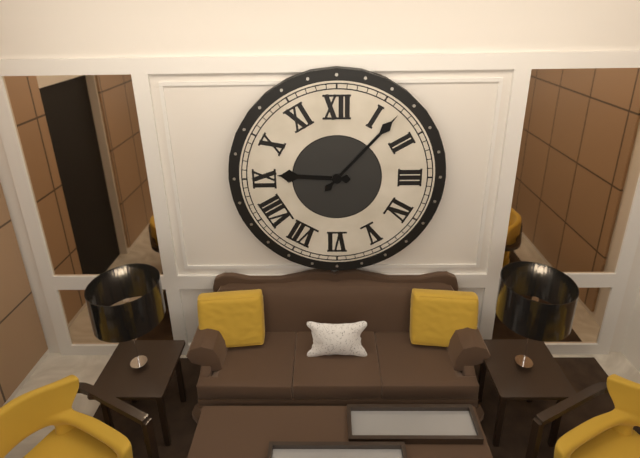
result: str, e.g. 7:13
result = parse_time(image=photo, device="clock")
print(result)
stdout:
9:07
